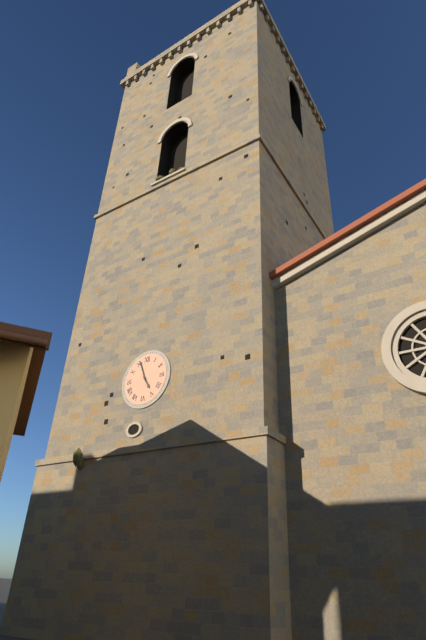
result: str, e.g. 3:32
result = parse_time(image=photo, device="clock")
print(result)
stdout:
4:56
